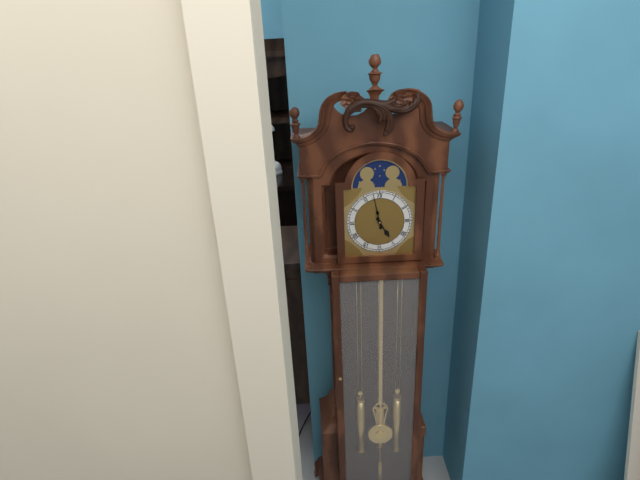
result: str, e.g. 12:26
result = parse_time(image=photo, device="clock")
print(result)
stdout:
4:58
